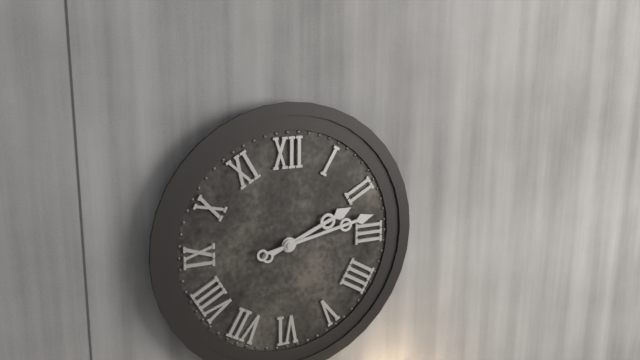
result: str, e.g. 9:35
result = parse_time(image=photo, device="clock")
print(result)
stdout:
2:13
